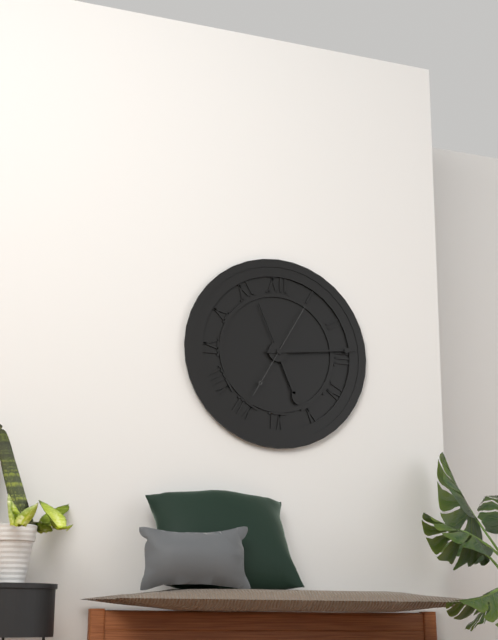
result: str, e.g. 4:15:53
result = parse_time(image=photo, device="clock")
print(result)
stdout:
5:14:05
